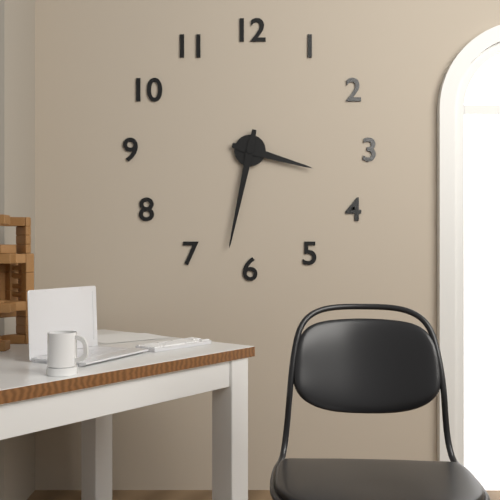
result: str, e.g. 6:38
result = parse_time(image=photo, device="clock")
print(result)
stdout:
3:32
